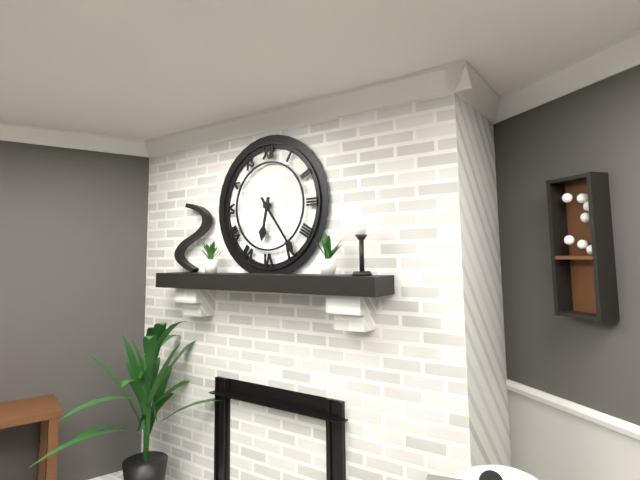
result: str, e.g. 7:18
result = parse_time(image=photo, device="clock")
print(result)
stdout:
6:24
